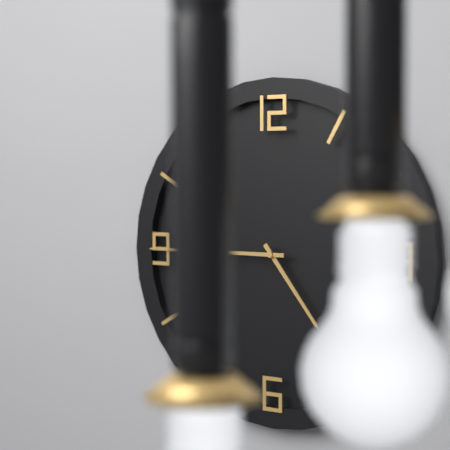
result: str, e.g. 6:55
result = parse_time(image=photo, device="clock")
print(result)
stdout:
4:45
